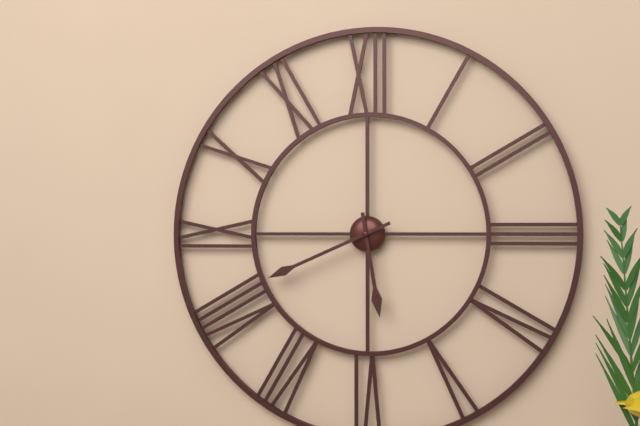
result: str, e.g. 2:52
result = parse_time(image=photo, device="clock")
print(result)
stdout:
5:41
